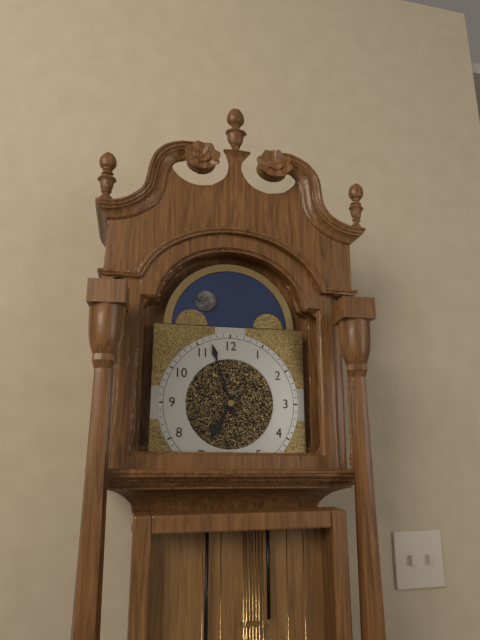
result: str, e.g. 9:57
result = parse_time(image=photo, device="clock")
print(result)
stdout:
6:57
